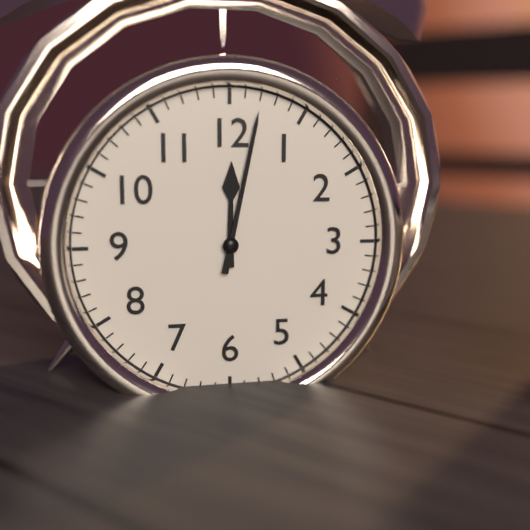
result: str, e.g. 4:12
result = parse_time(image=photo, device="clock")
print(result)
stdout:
12:02
